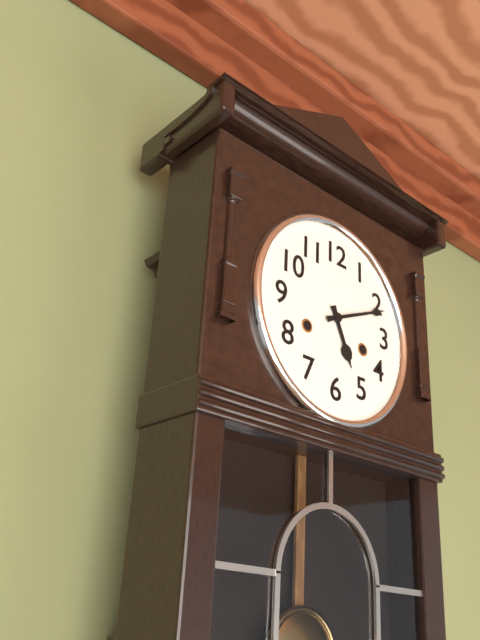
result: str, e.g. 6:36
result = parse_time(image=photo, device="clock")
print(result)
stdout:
5:11
